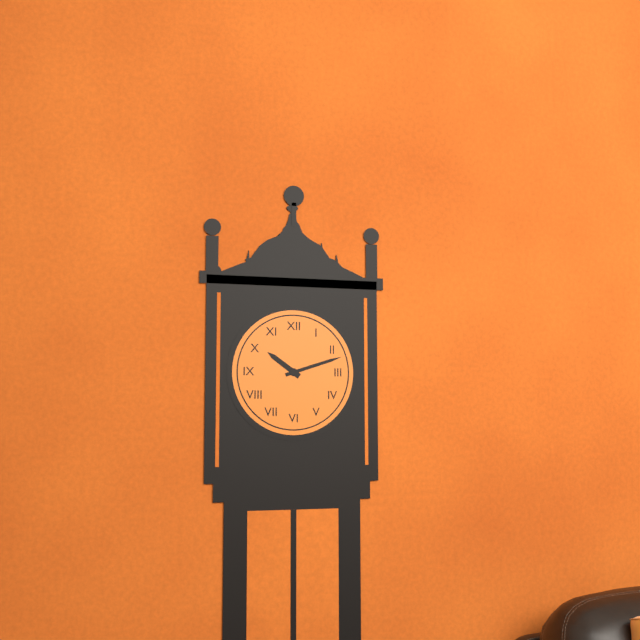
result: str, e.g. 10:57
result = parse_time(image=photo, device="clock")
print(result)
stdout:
10:12
